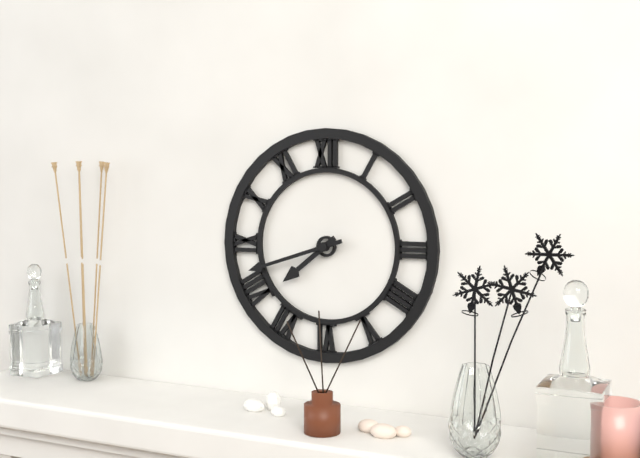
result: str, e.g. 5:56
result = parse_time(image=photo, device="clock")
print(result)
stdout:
7:42
